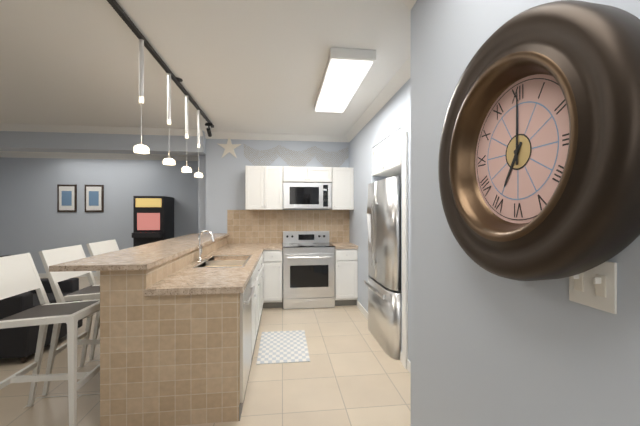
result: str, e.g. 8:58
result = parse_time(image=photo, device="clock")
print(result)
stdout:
7:00
